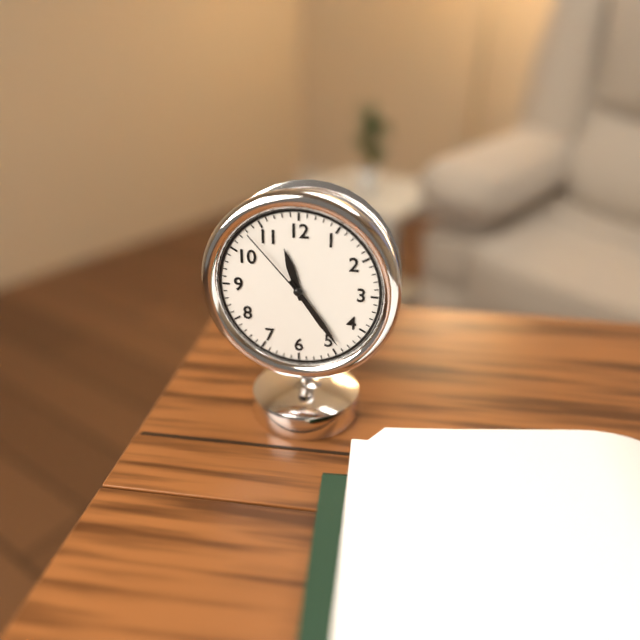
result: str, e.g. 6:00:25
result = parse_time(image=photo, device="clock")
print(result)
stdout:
11:24:53
